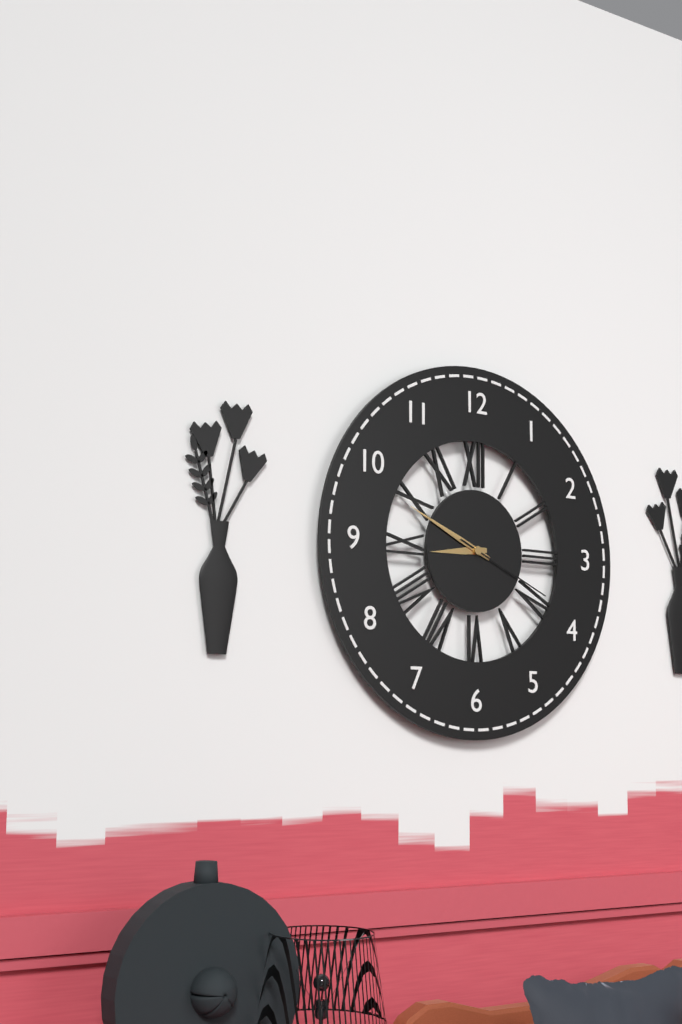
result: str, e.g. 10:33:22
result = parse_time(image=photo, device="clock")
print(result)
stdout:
8:49:19
